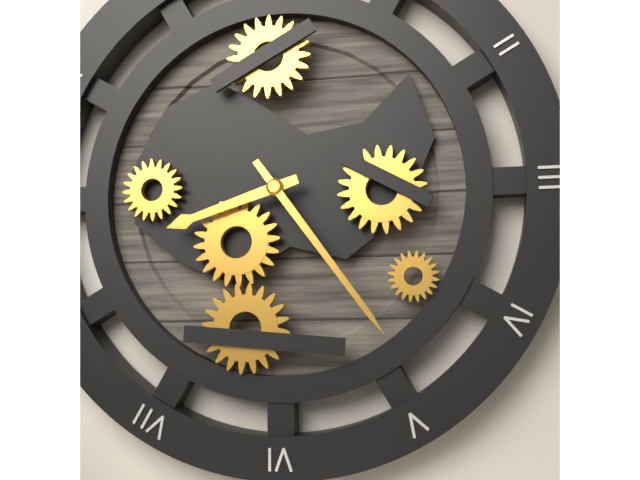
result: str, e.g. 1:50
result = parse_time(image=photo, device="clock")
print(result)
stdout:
8:24
